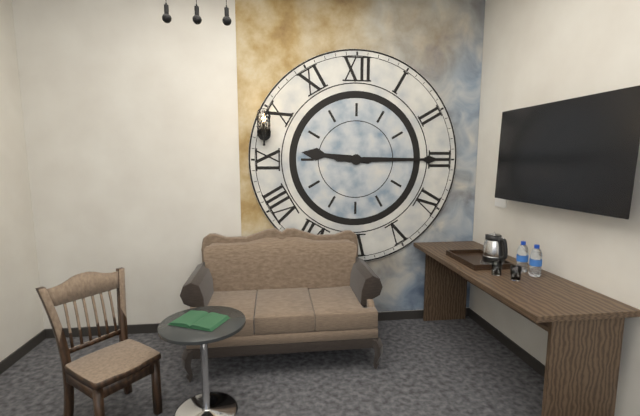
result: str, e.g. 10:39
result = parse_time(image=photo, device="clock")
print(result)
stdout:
9:15
